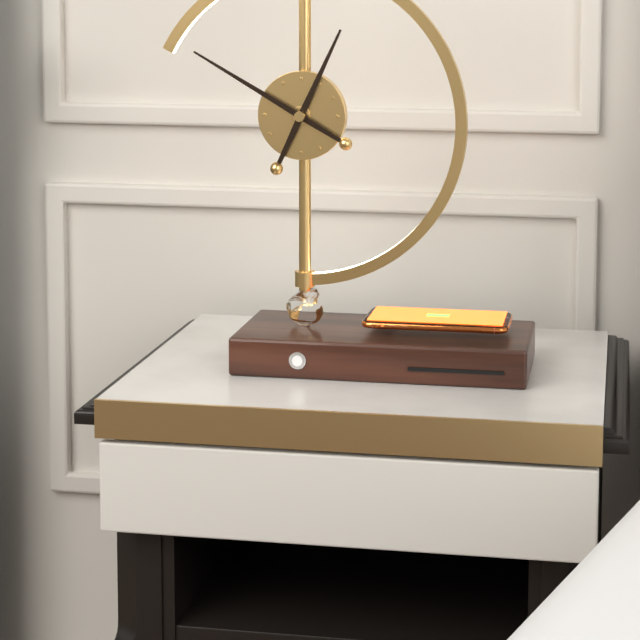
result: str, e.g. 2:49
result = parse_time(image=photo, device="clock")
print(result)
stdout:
12:50
